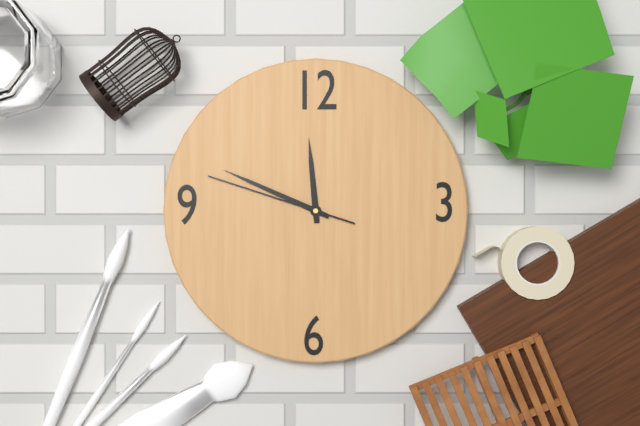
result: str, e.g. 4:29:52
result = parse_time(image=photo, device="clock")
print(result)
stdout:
11:49:48
